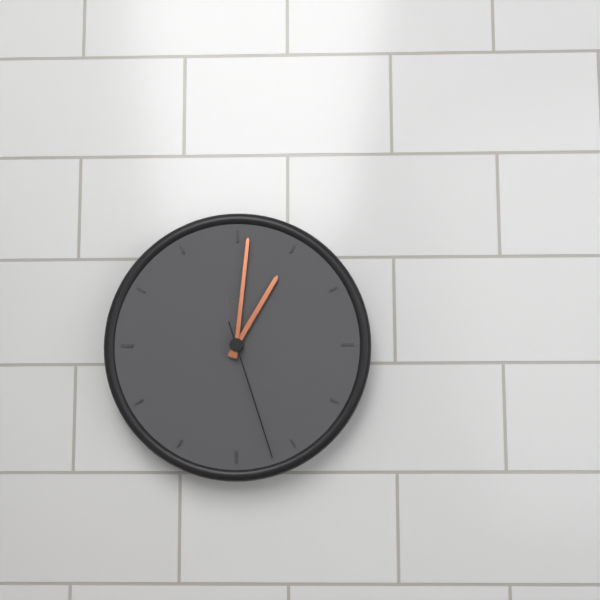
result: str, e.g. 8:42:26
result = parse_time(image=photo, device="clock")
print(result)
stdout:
1:01:27
